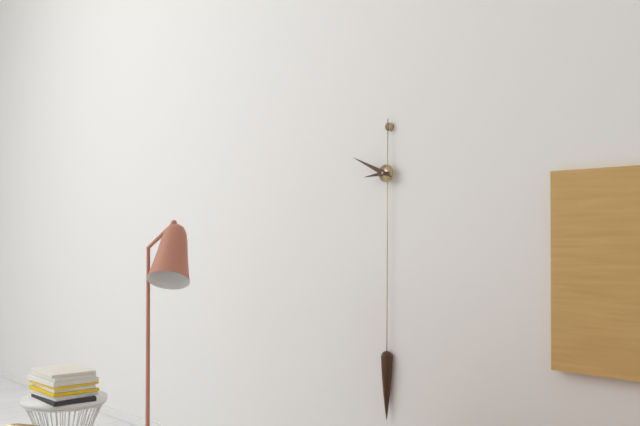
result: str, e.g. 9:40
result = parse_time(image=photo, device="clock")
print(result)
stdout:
8:49
